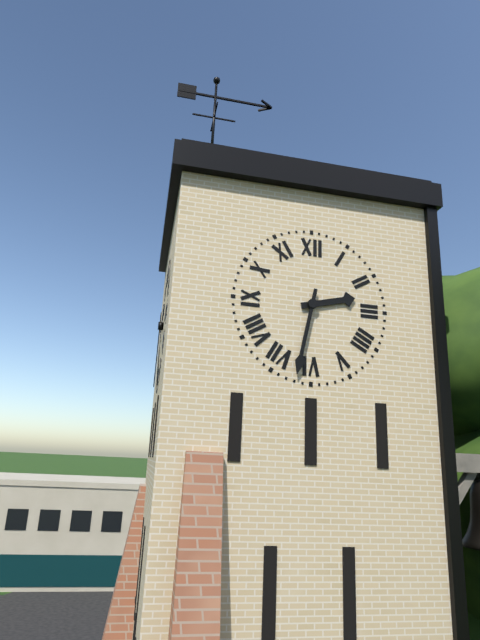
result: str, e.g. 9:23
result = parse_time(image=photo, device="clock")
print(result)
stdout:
2:32
